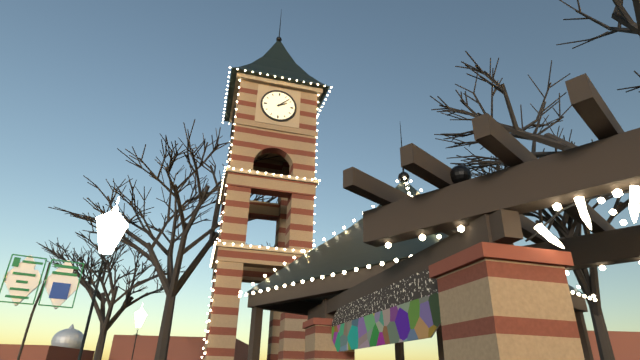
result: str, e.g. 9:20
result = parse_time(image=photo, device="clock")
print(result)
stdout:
2:08
